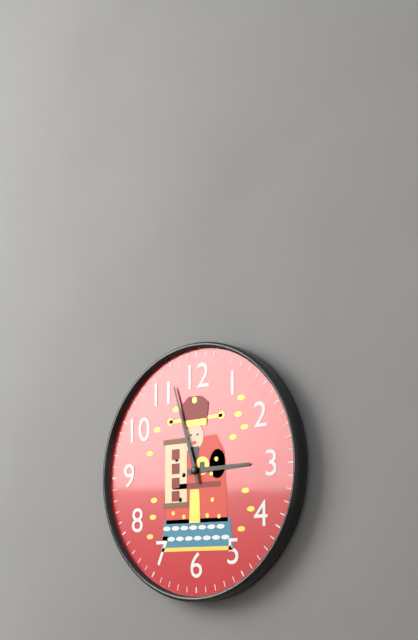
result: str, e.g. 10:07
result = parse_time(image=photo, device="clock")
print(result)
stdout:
2:57
